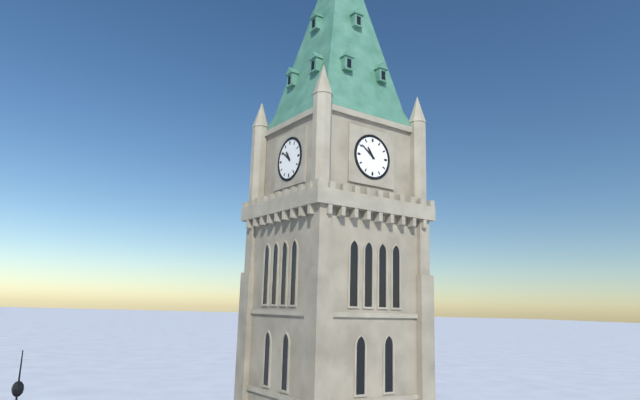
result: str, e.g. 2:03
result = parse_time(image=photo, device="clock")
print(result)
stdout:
10:51
